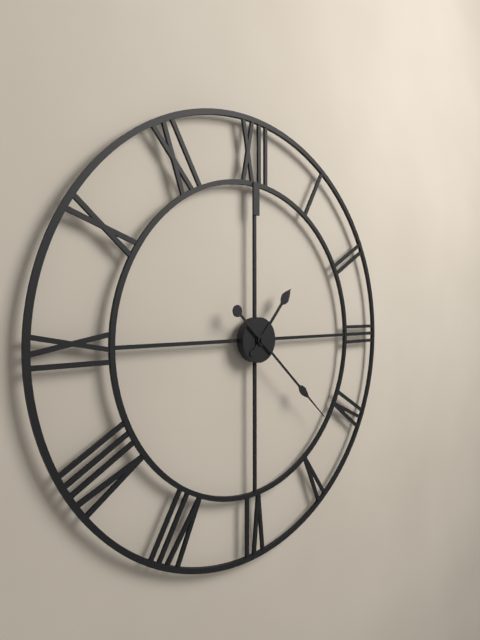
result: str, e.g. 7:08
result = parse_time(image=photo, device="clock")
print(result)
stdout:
1:22
